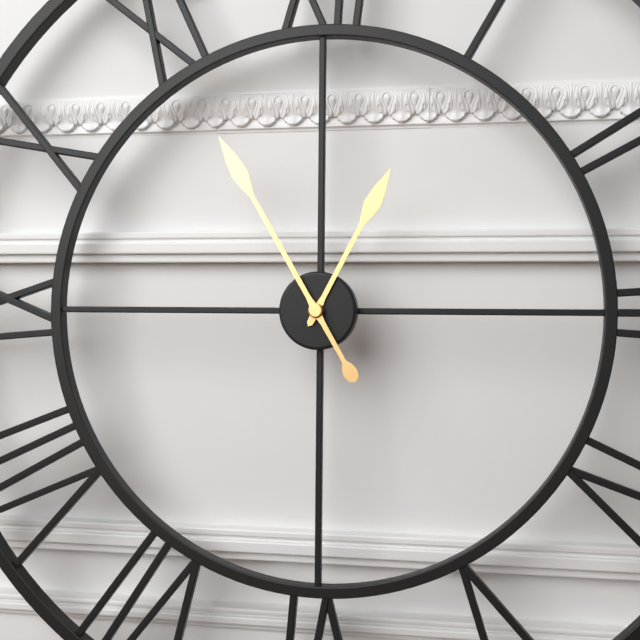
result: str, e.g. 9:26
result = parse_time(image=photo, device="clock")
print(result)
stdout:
12:55
